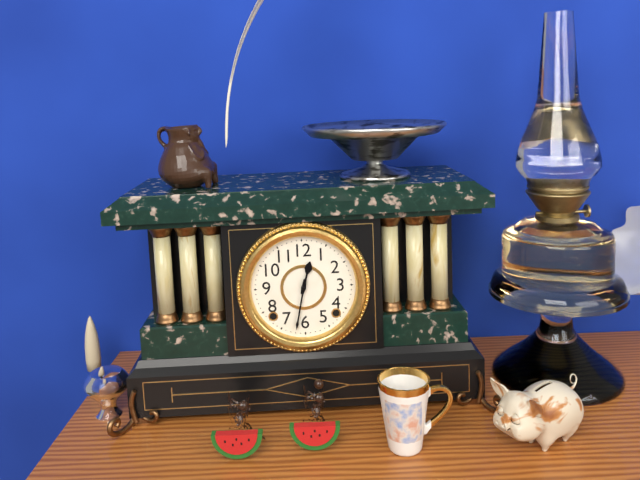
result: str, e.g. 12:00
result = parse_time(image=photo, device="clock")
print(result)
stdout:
12:32
